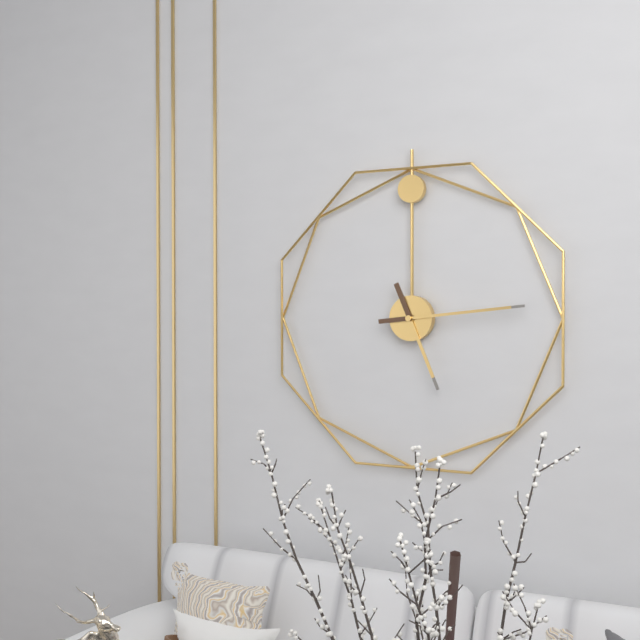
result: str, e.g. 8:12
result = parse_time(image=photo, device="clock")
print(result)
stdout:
5:14
